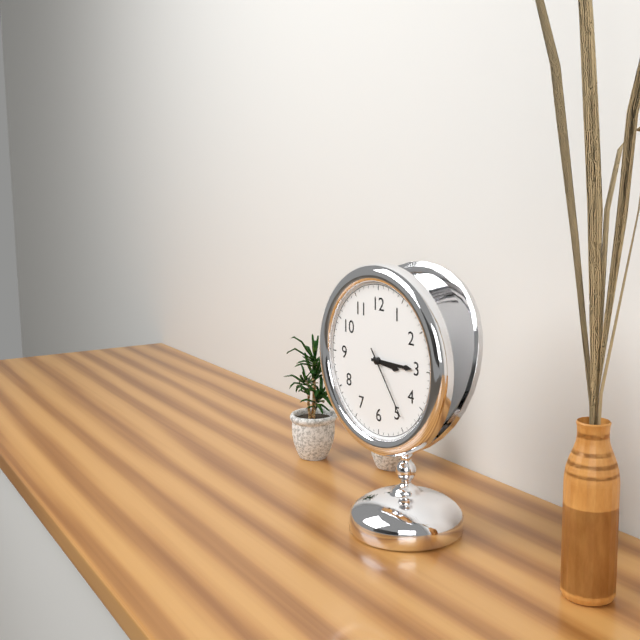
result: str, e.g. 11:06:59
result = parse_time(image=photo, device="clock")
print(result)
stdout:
3:15:24
